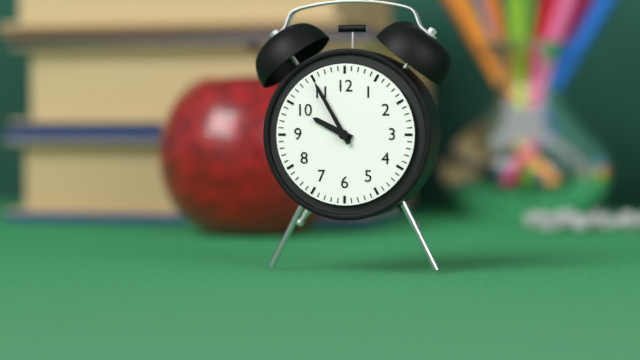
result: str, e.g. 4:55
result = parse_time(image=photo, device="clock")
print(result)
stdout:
9:55
